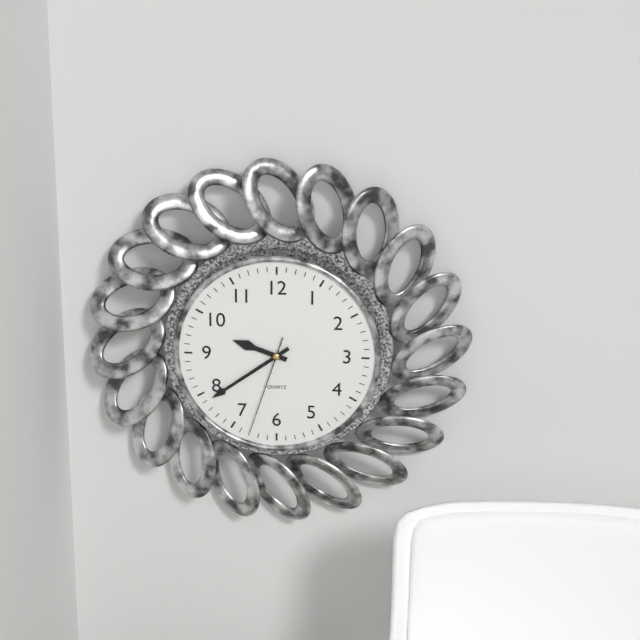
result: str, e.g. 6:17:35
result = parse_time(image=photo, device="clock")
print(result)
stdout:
9:39:33
